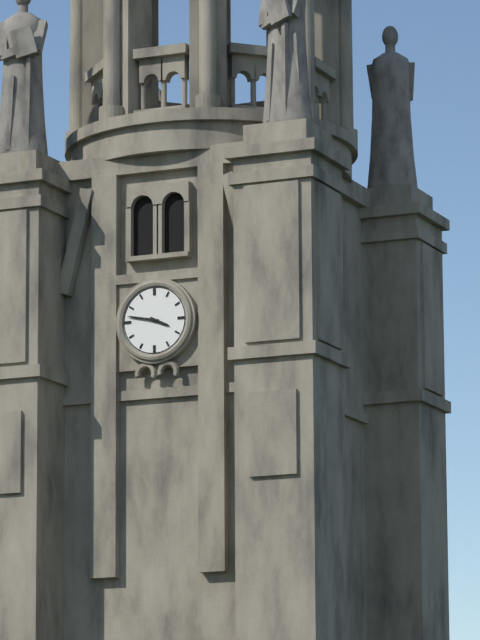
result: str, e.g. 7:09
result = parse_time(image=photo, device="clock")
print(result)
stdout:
3:47
